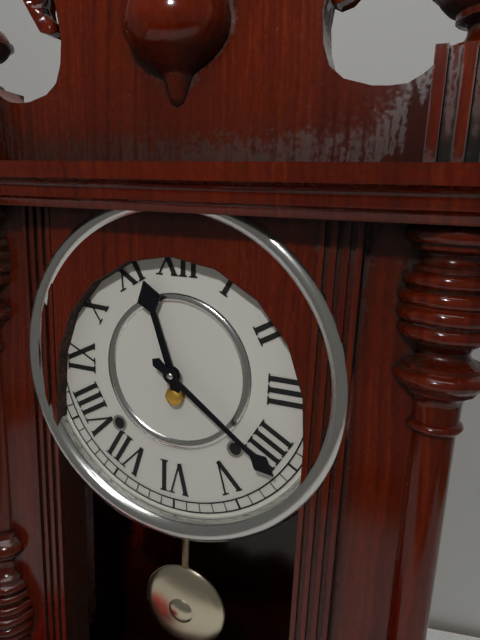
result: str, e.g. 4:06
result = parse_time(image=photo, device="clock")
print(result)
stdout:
11:21
